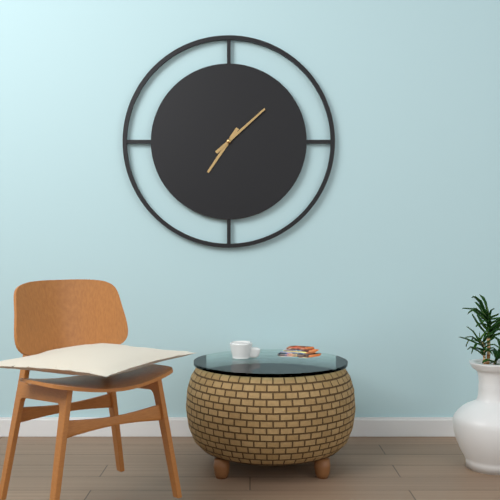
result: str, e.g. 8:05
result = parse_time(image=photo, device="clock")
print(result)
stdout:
7:08
